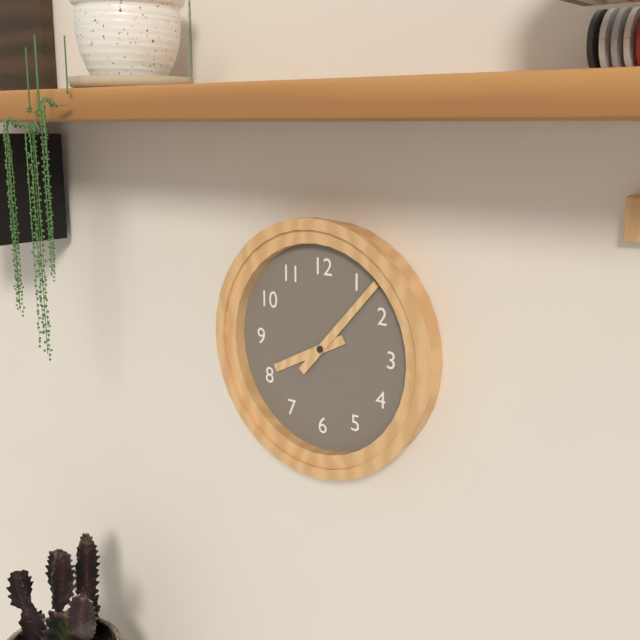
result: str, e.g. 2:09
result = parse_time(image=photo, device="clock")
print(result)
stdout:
8:07
